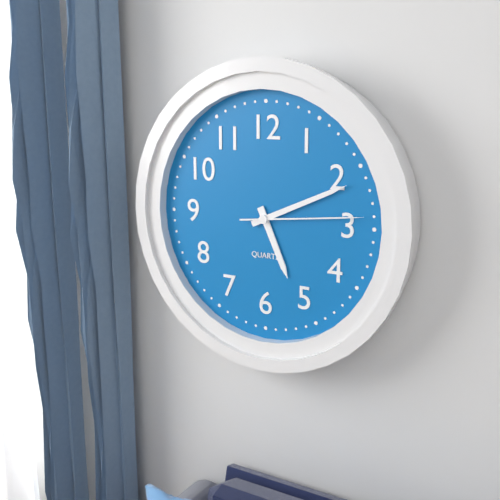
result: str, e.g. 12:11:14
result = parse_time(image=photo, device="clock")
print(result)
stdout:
5:11:14
